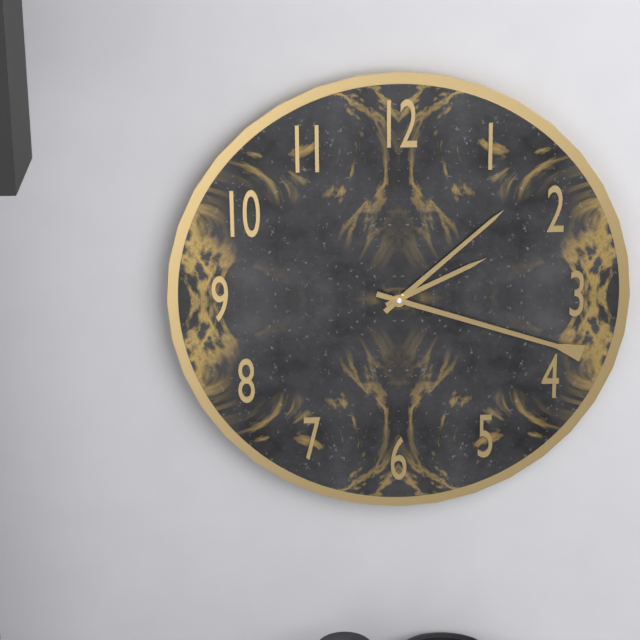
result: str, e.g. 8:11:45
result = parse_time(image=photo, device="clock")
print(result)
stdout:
2:08:18
